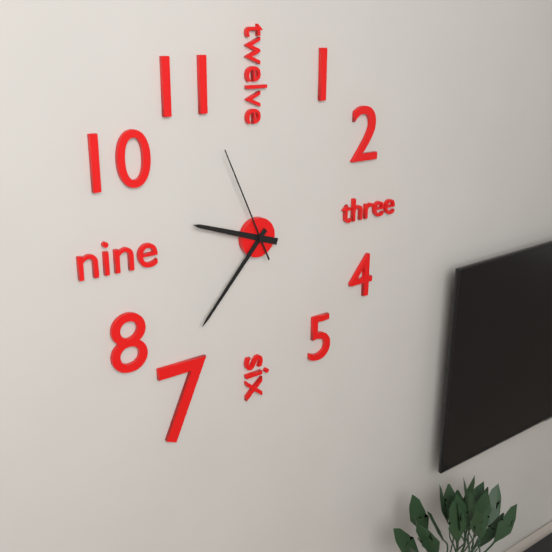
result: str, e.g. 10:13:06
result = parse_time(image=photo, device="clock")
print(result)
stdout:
9:37:56
